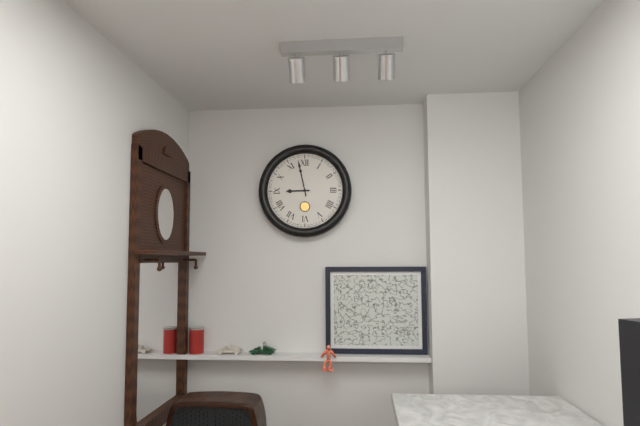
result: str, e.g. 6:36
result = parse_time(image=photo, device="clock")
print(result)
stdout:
8:58
